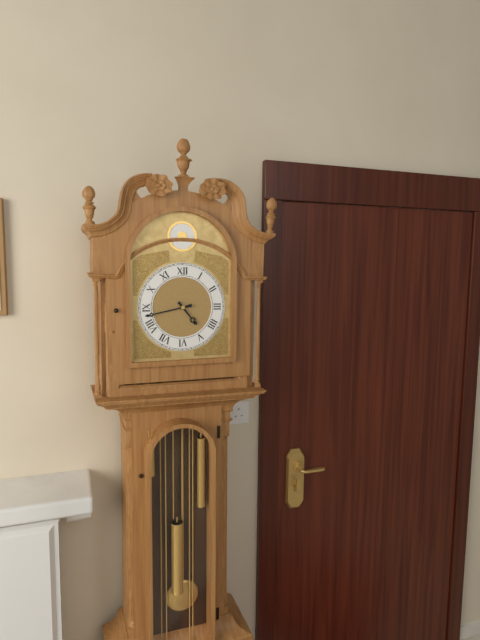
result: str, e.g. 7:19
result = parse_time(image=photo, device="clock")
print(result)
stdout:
4:43
